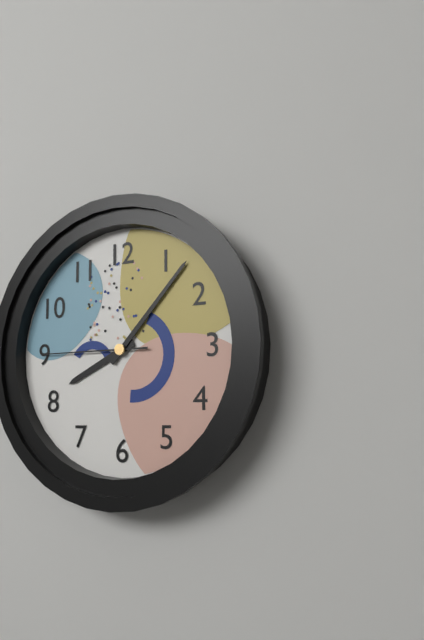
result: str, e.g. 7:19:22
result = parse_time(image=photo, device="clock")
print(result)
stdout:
8:07:45
